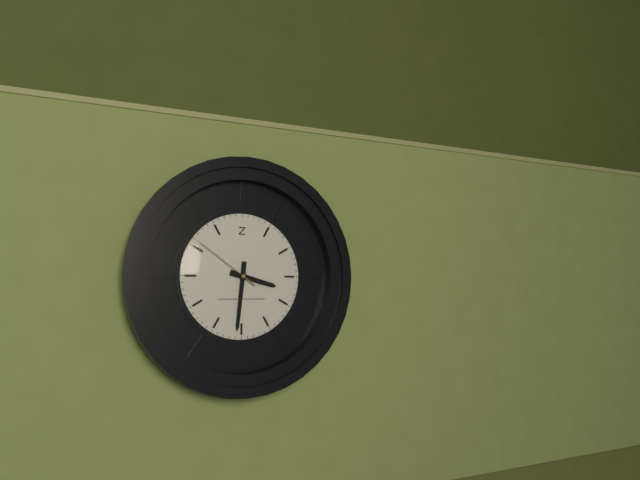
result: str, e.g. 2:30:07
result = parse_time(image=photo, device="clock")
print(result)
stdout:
3:31:51
